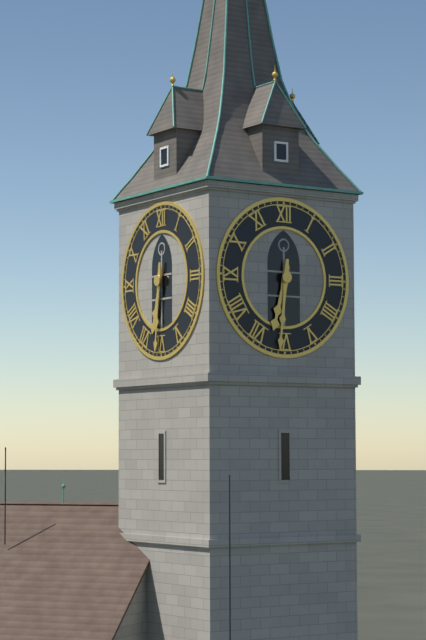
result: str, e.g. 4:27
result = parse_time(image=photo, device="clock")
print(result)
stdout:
6:31
